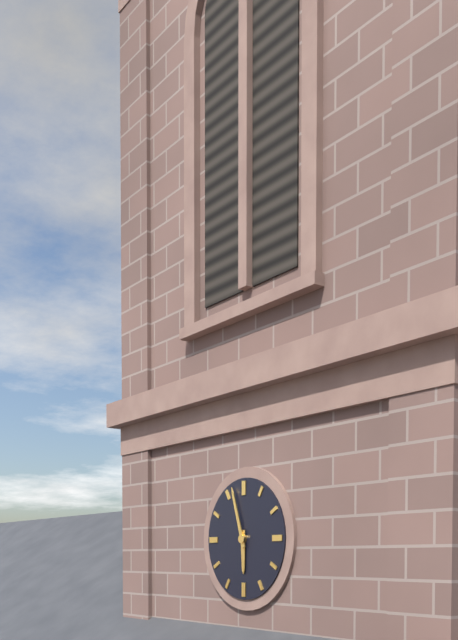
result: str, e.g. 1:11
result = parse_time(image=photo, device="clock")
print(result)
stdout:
5:57
